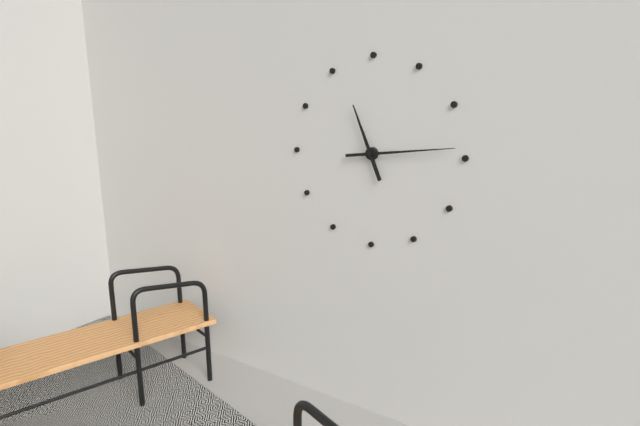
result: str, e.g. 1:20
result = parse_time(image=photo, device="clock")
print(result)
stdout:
11:14
